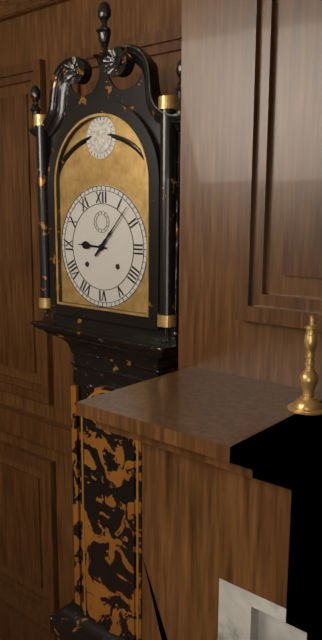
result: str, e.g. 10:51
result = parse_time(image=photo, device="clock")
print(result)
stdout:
9:07
